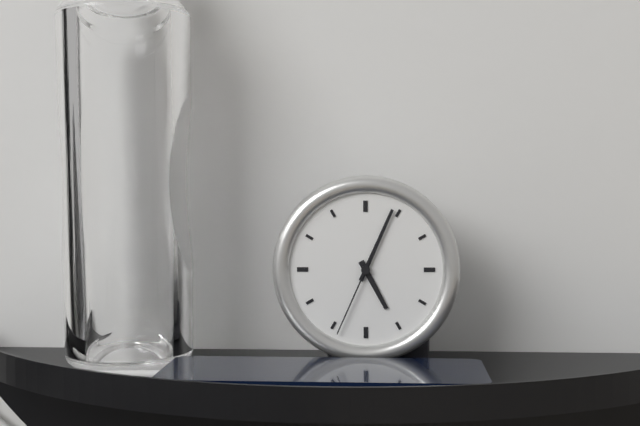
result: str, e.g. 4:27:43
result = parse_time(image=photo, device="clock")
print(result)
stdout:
5:04:34
